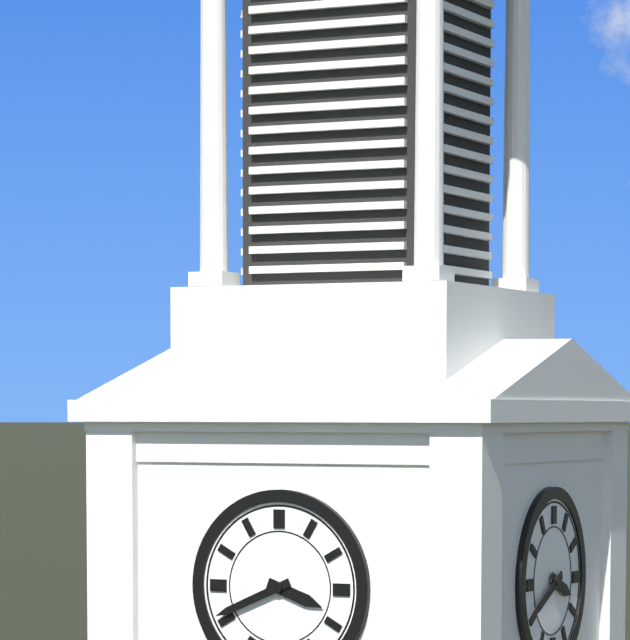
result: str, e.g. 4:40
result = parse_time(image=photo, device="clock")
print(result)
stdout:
3:41
